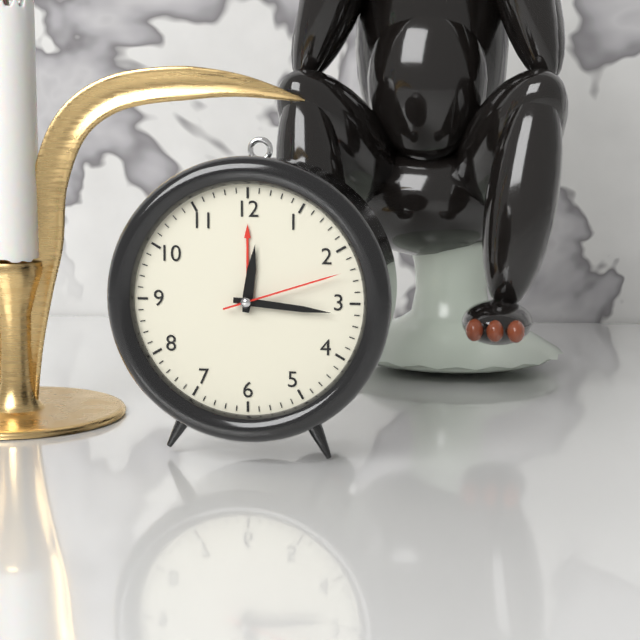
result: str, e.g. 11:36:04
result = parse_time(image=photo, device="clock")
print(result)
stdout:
12:16:12
